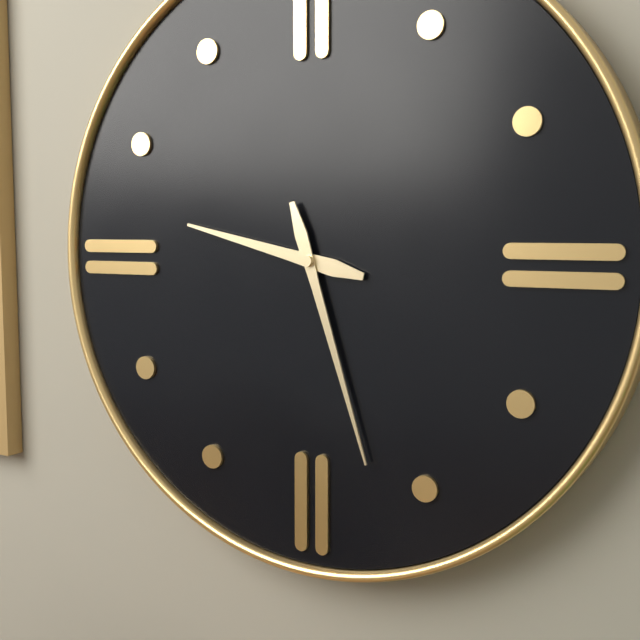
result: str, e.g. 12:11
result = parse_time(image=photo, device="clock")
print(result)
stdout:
9:27
